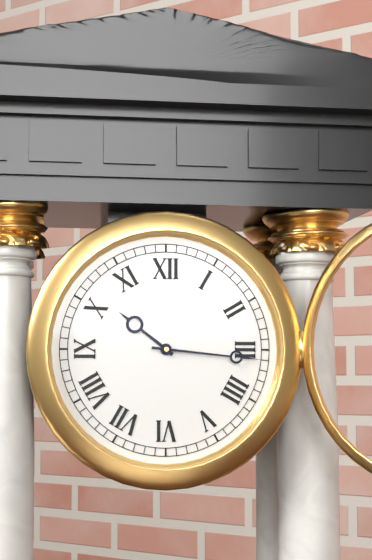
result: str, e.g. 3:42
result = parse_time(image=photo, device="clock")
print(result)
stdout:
10:16
